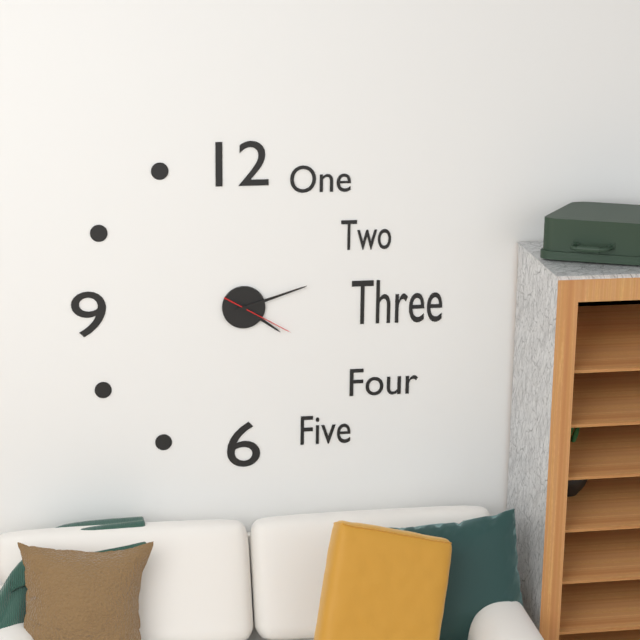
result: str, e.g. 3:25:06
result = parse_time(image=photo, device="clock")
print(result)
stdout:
4:12:20
